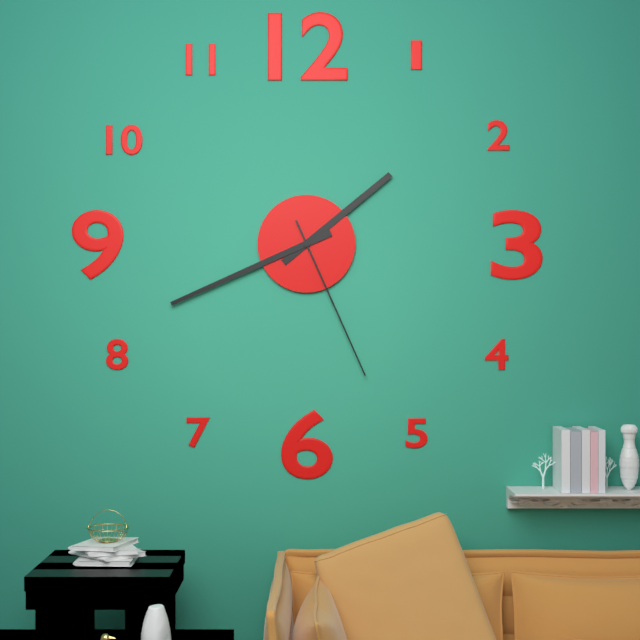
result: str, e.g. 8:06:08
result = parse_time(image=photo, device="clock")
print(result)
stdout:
1:41:26
